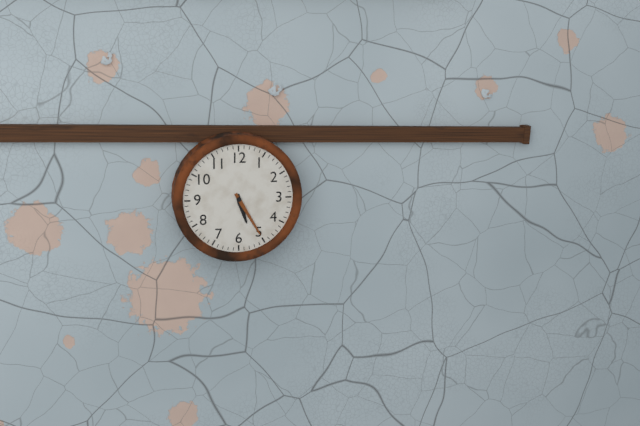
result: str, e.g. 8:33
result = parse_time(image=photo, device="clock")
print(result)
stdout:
5:25
